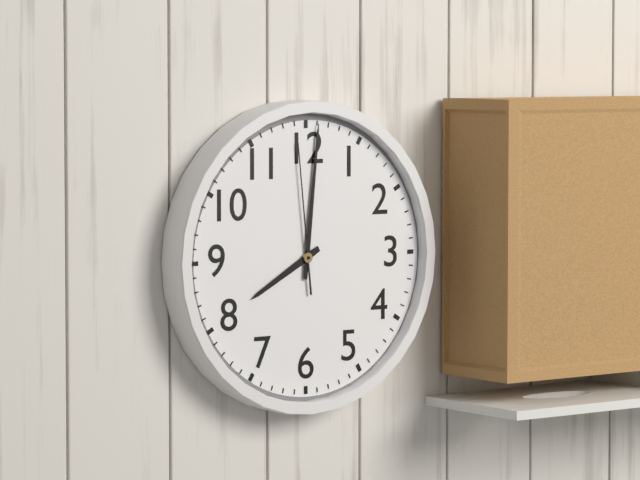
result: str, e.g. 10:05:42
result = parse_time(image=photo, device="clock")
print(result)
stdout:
8:01:59
